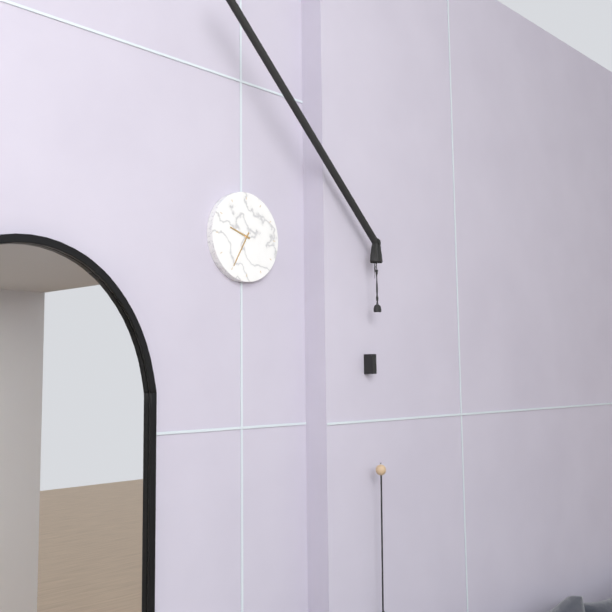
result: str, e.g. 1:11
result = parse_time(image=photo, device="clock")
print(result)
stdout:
9:35
